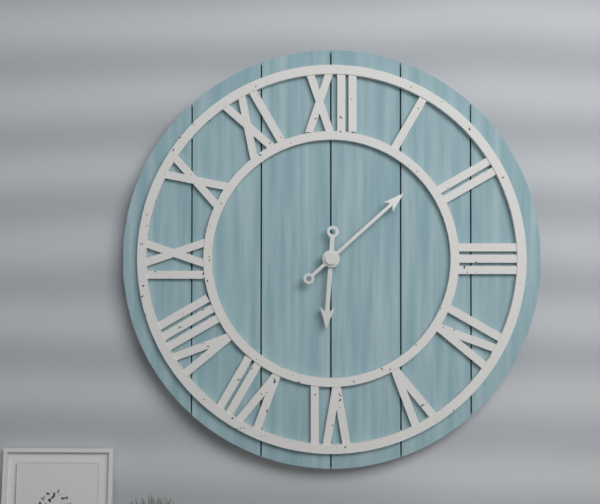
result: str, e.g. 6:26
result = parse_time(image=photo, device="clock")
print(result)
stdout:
6:08
